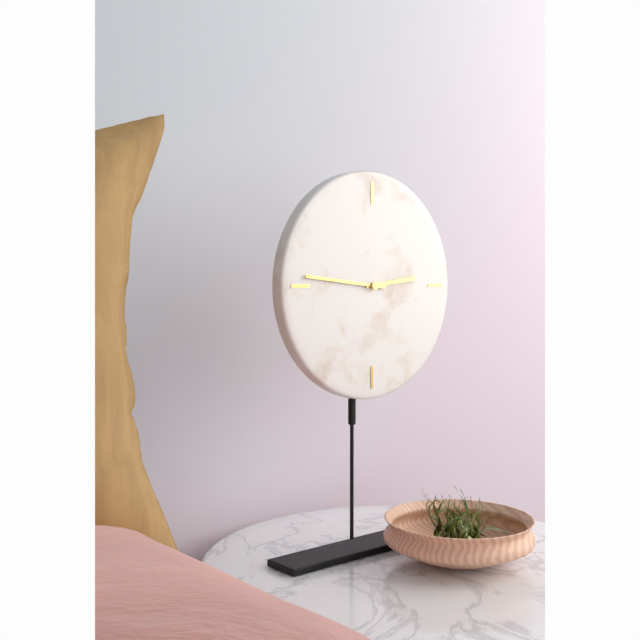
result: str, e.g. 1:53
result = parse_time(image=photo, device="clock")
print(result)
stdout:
2:46
